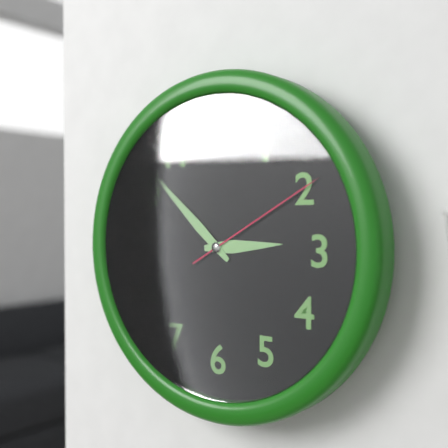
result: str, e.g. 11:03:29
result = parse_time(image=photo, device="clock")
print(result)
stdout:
2:52:10
